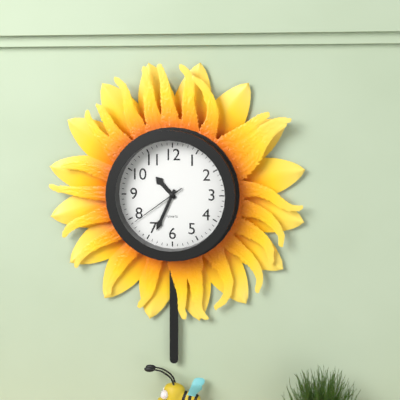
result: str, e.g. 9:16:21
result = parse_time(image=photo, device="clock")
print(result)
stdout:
10:34:39
